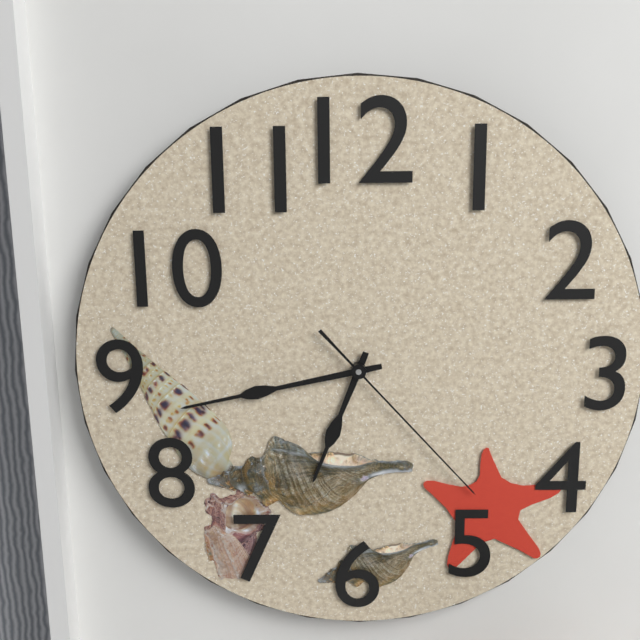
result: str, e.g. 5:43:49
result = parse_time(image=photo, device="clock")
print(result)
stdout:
6:43:23
